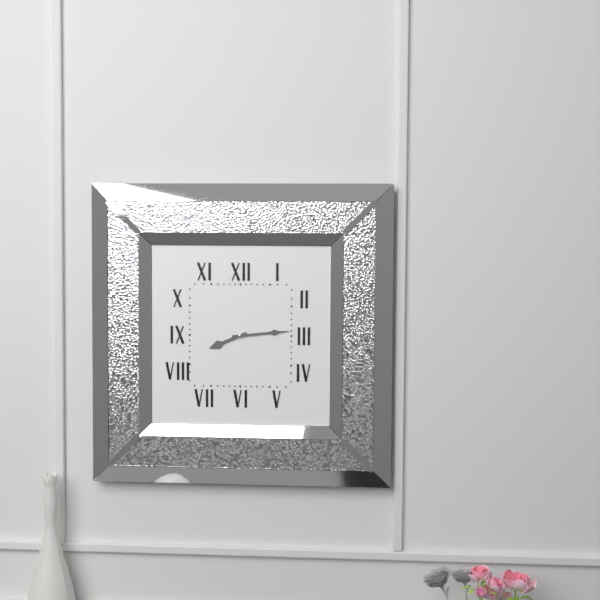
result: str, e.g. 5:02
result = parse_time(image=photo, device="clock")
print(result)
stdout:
8:14
